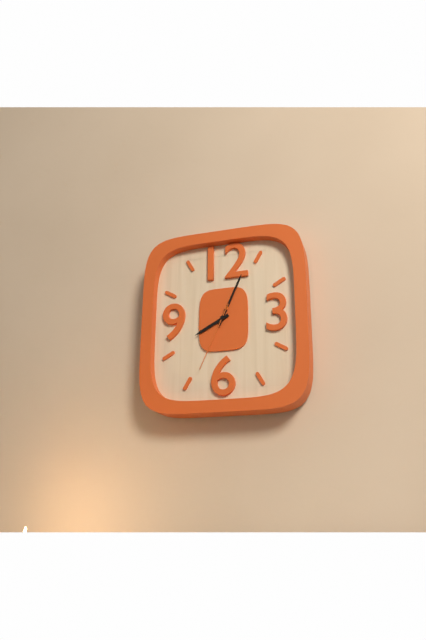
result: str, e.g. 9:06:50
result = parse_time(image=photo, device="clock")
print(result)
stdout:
8:04:34
